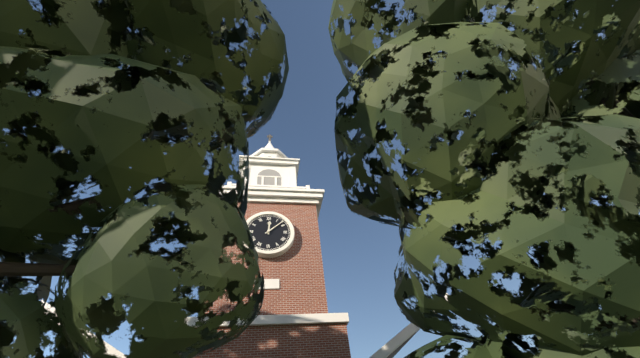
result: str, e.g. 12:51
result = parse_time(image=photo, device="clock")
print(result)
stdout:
12:08
